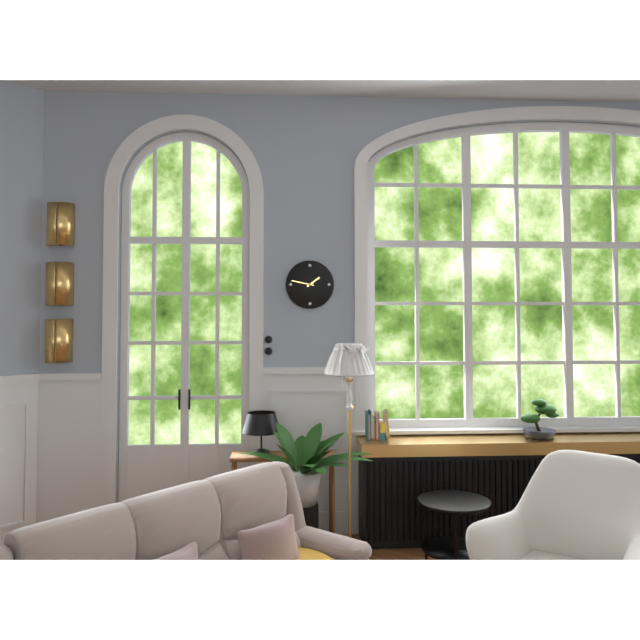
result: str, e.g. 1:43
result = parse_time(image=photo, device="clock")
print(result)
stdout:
1:47
